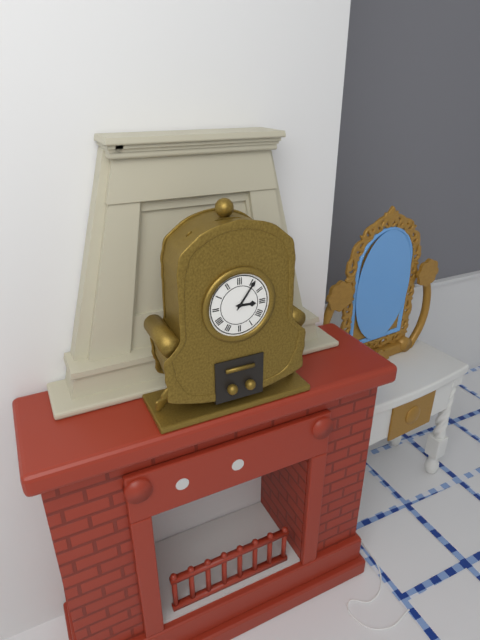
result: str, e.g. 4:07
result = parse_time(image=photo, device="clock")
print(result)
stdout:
3:06
